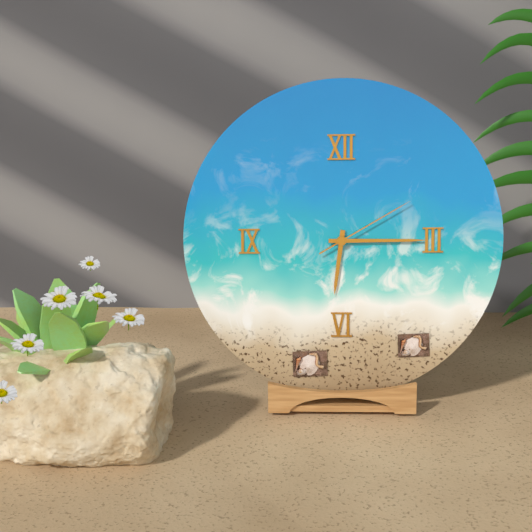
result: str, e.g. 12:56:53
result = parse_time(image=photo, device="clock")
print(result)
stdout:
6:15:10
